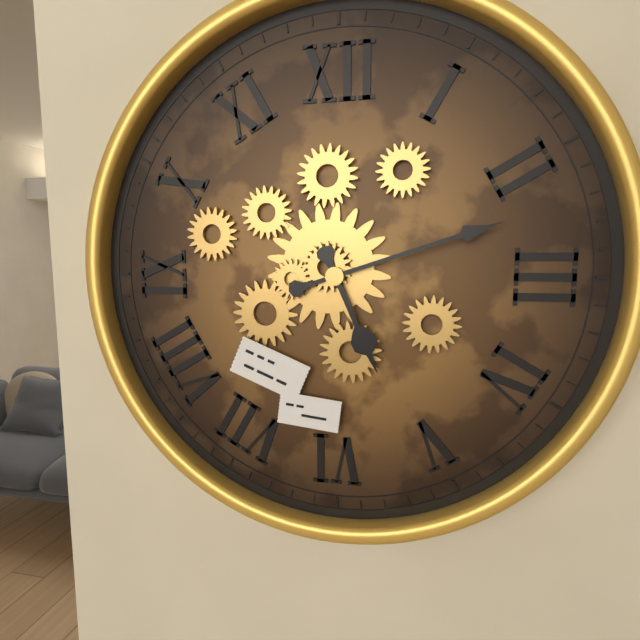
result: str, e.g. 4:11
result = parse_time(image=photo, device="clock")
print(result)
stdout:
5:12
